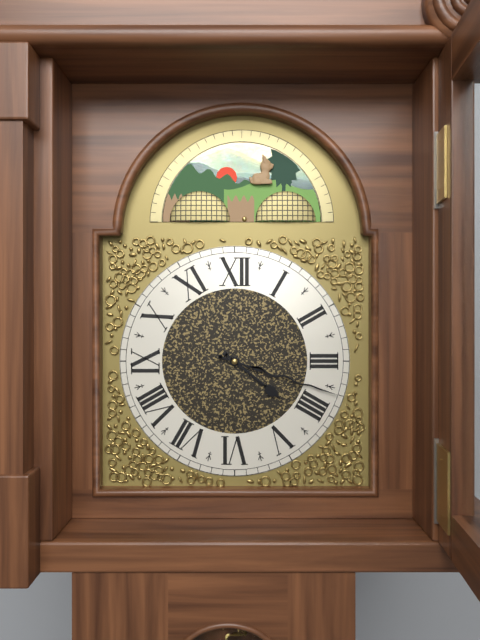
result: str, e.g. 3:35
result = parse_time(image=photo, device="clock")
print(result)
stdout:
4:18
